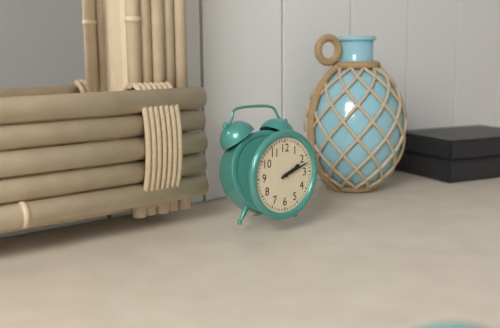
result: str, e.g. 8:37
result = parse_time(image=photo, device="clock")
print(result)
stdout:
2:12
